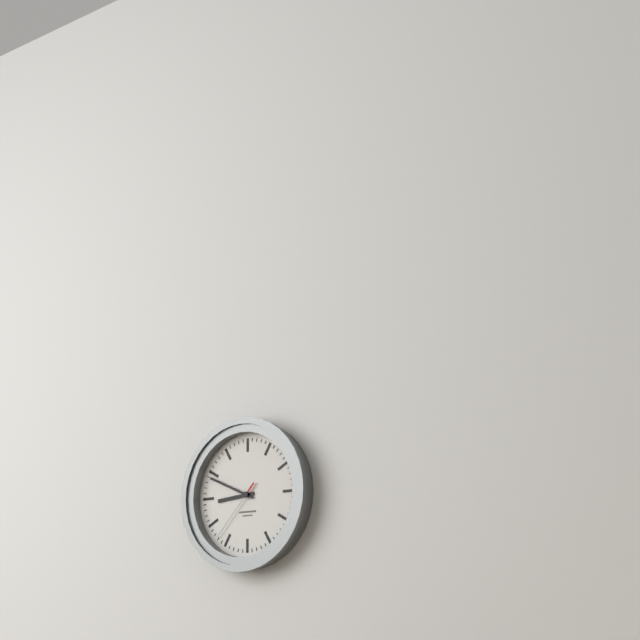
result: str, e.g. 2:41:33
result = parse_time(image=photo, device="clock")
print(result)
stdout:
8:49:37
